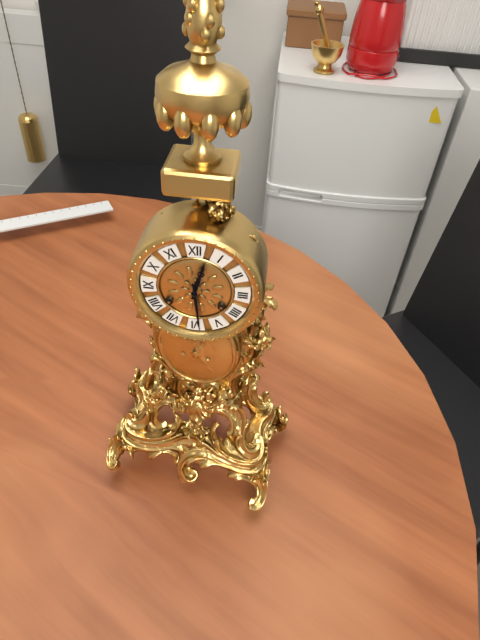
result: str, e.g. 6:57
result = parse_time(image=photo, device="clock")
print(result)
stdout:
12:29
